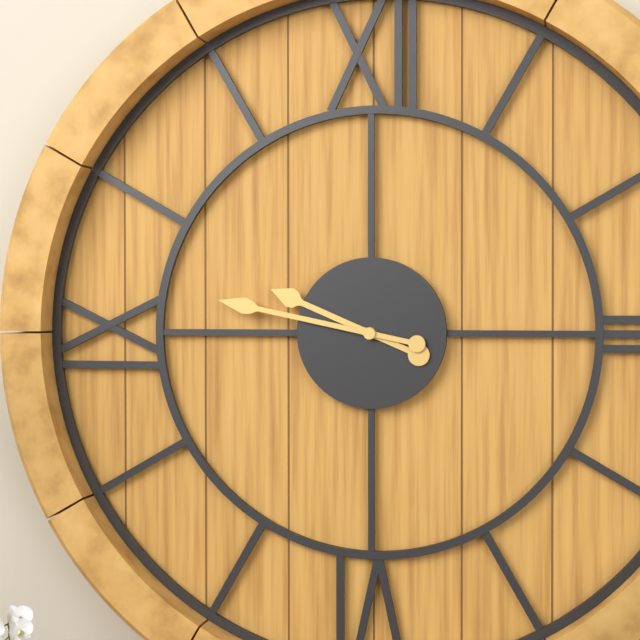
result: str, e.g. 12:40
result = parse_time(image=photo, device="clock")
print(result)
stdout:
9:47
